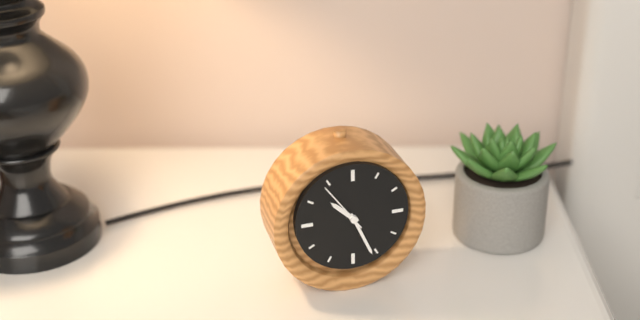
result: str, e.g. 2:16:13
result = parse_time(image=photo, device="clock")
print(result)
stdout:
10:26:54
